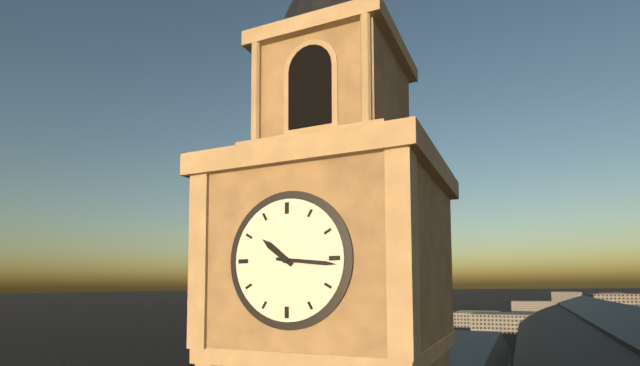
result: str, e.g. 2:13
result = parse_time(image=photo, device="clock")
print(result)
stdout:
10:16
